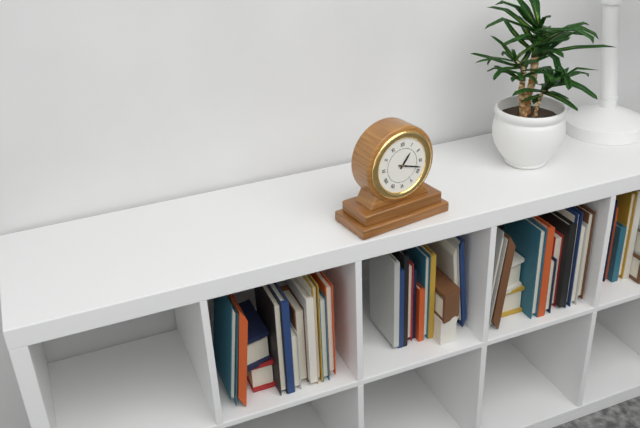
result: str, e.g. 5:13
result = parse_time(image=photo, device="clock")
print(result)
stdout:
1:18
